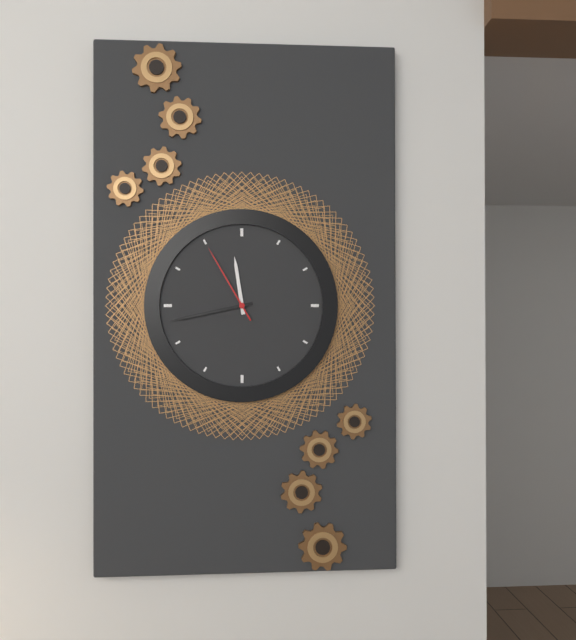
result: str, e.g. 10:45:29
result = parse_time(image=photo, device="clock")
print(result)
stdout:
11:43:55
